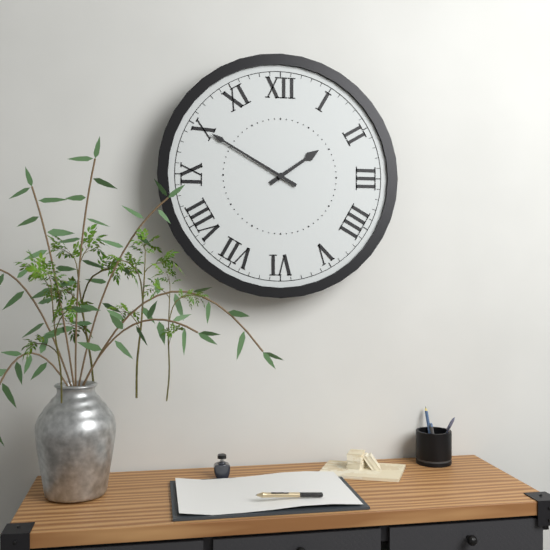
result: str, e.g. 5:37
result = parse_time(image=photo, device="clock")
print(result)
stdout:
1:50
